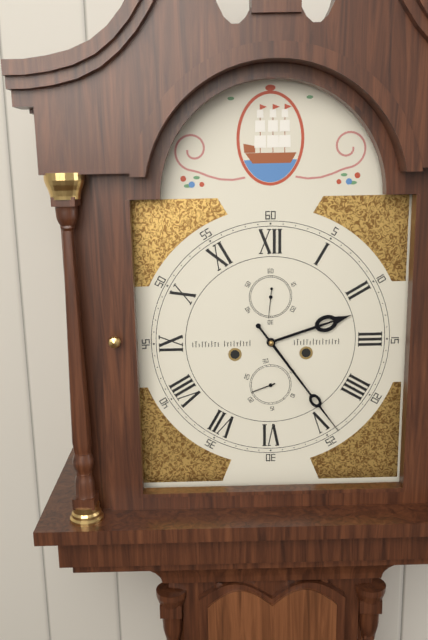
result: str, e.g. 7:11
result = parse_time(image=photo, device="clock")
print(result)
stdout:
2:24
